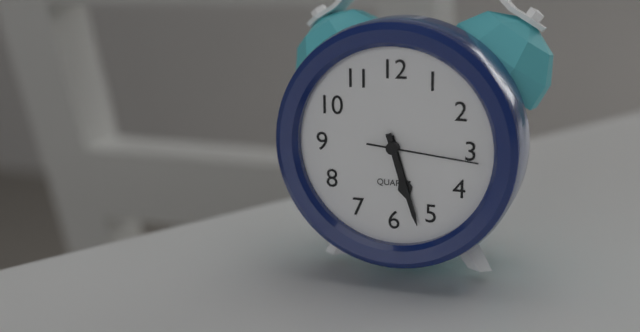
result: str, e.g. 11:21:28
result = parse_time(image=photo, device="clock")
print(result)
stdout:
5:27:16
